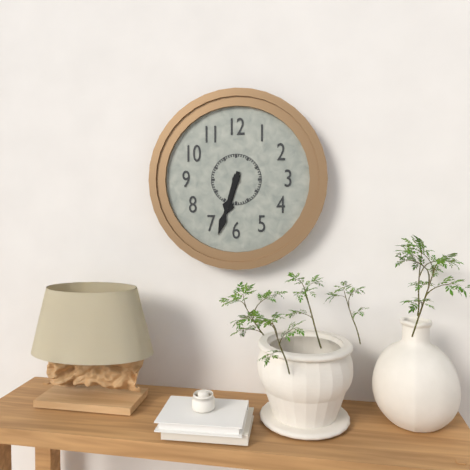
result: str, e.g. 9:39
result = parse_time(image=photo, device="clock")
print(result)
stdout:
6:33
